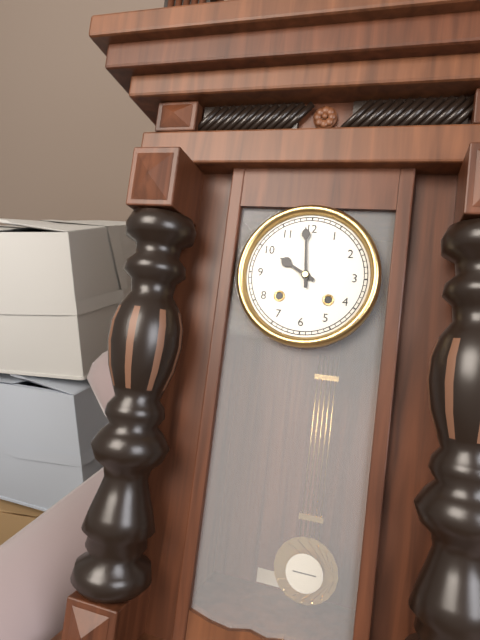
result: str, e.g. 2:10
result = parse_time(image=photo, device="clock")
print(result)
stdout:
9:59
